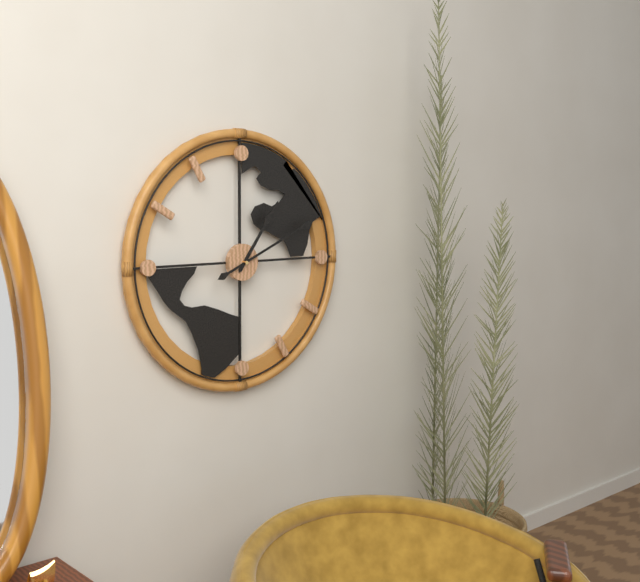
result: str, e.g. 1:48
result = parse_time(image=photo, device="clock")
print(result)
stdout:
1:11
